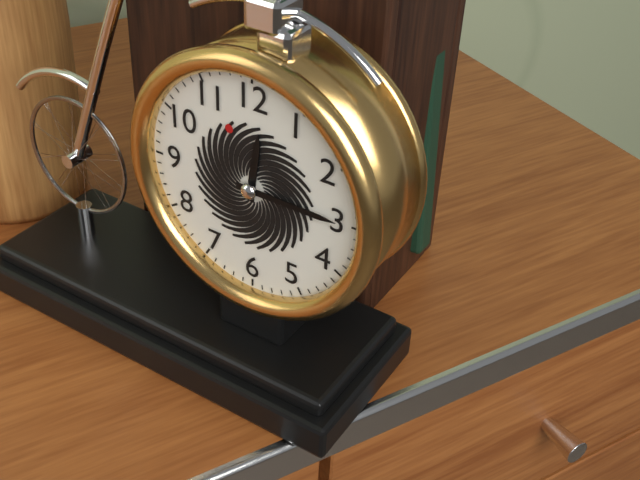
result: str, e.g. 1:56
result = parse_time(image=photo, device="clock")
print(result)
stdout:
12:15
